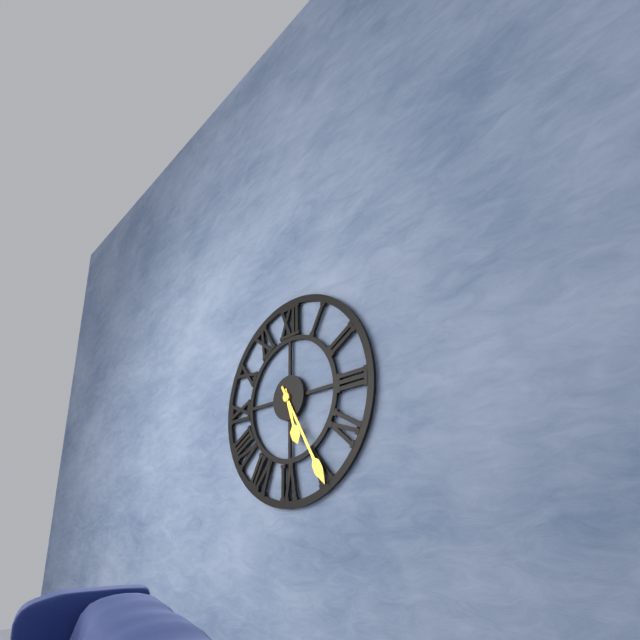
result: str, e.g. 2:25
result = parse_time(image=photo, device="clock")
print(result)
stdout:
5:25
